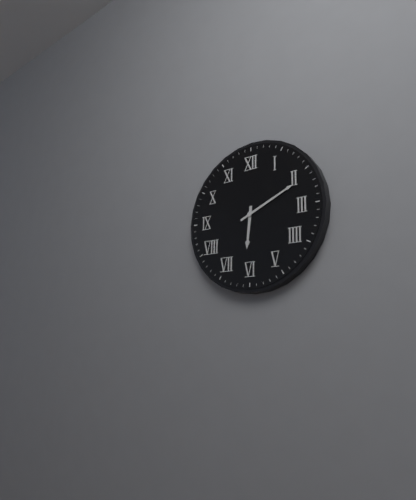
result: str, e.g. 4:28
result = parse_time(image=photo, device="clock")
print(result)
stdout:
6:11
